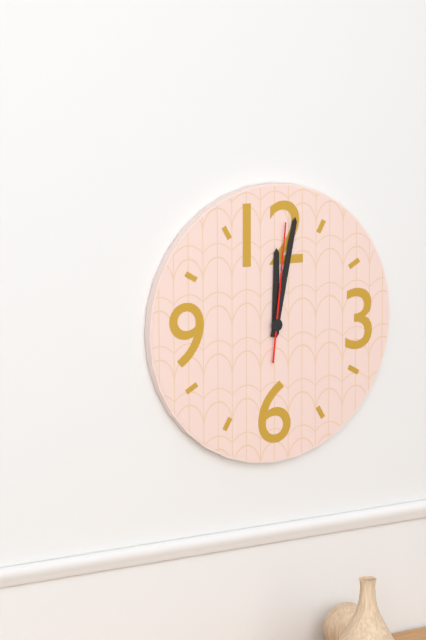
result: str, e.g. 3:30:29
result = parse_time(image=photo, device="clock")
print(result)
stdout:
12:02:01
